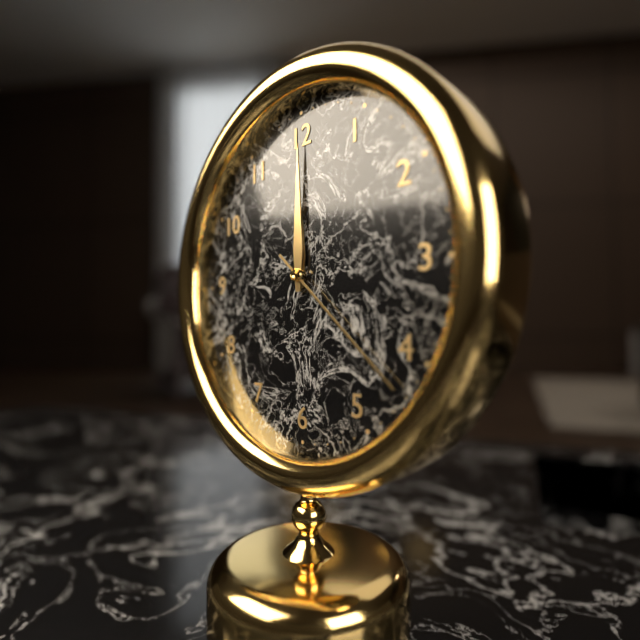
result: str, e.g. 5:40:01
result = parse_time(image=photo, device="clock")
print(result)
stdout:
12:00:22
